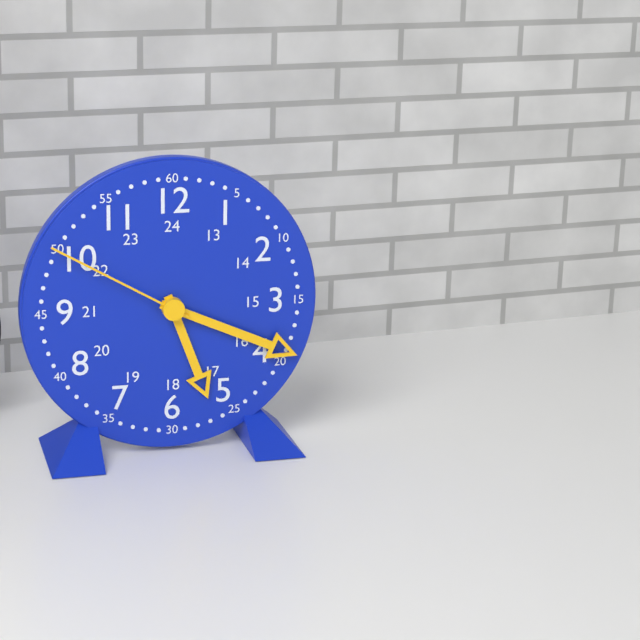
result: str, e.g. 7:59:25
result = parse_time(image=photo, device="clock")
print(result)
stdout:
5:19:50
